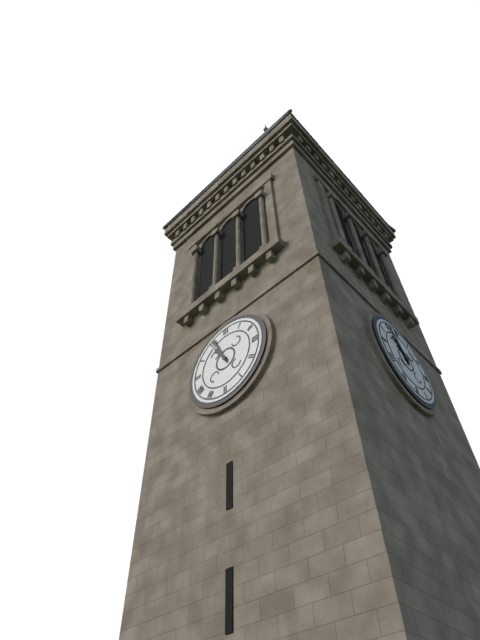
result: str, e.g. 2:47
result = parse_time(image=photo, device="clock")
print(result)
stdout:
10:56
